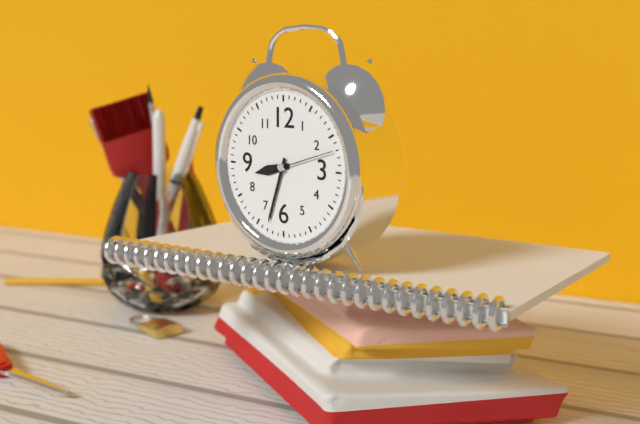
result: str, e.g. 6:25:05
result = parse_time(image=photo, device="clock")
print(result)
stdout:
8:33:12
